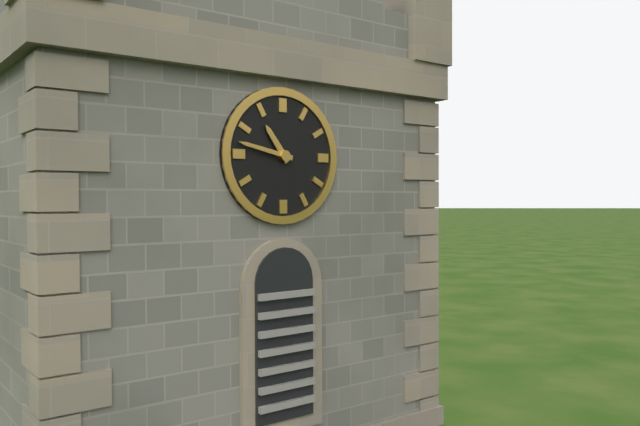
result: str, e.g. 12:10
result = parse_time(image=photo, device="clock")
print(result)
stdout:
10:47
